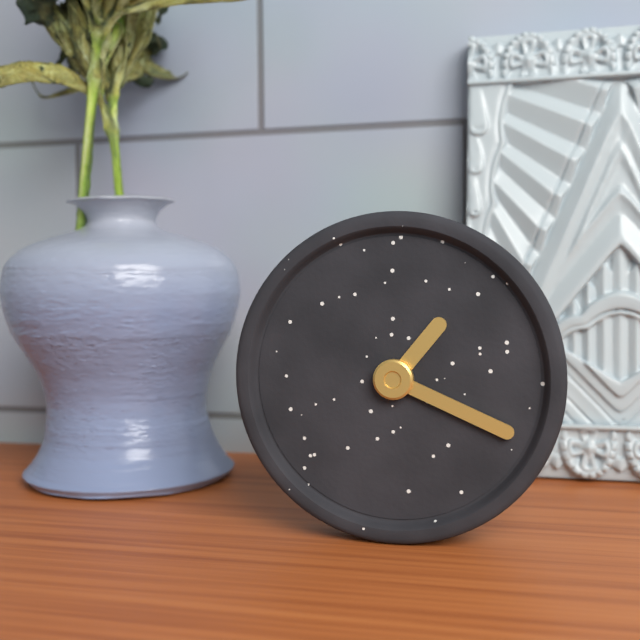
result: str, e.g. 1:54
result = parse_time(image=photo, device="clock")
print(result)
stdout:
1:19
